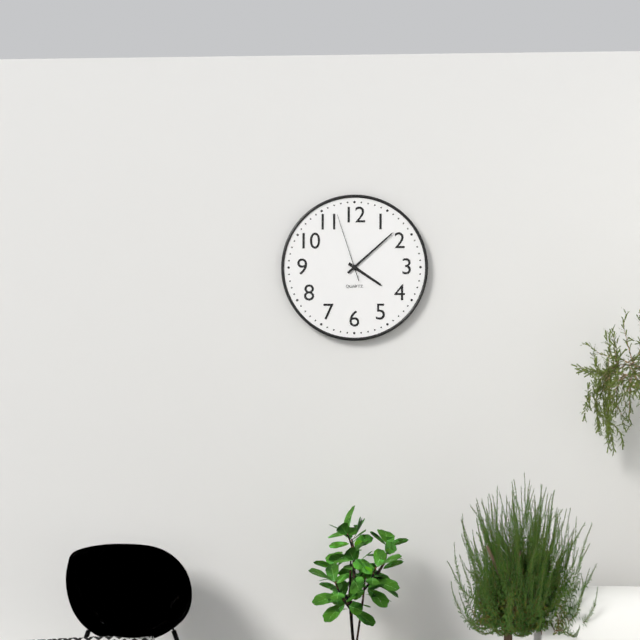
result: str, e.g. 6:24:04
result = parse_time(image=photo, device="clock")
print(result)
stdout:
4:08:57
